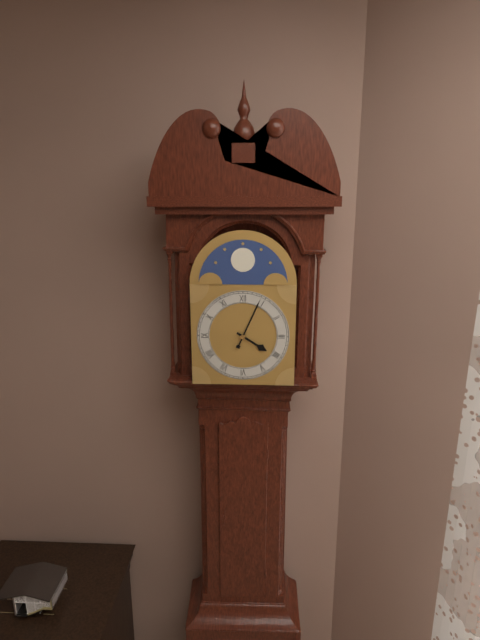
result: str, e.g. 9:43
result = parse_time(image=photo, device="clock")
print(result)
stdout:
4:04
